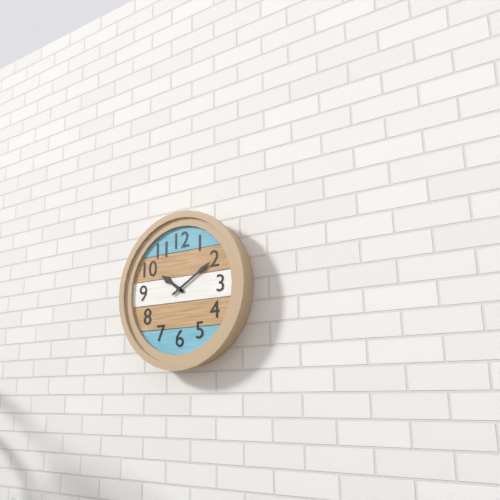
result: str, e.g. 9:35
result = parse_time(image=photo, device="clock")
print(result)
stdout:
10:10
